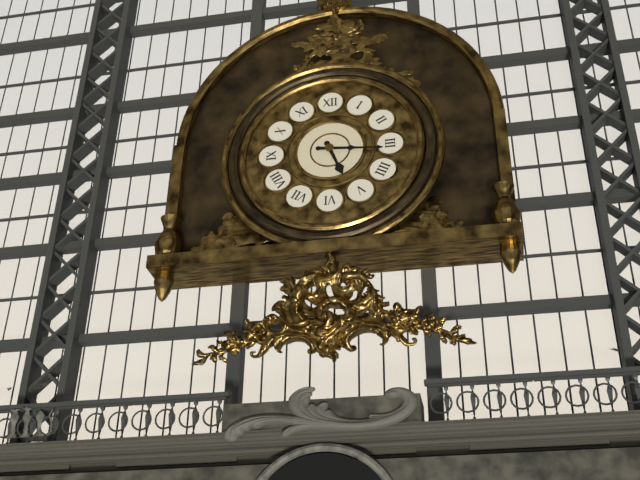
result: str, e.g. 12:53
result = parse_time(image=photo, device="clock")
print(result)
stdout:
5:16
